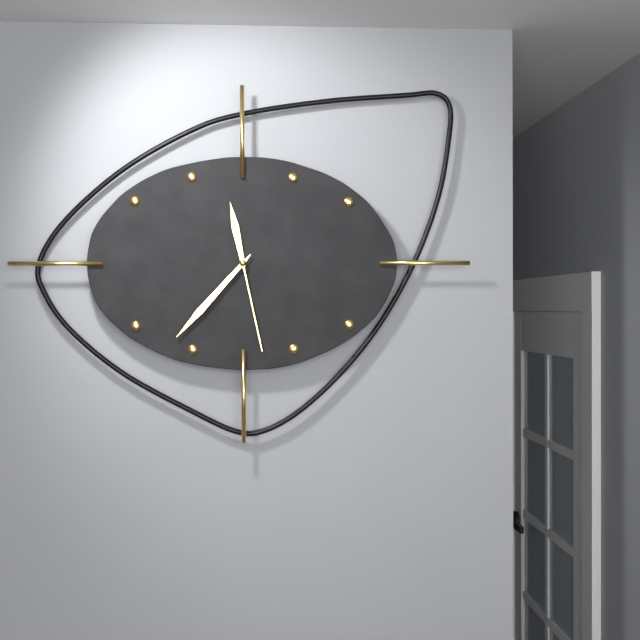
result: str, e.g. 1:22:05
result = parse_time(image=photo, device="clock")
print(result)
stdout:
11:37:28
